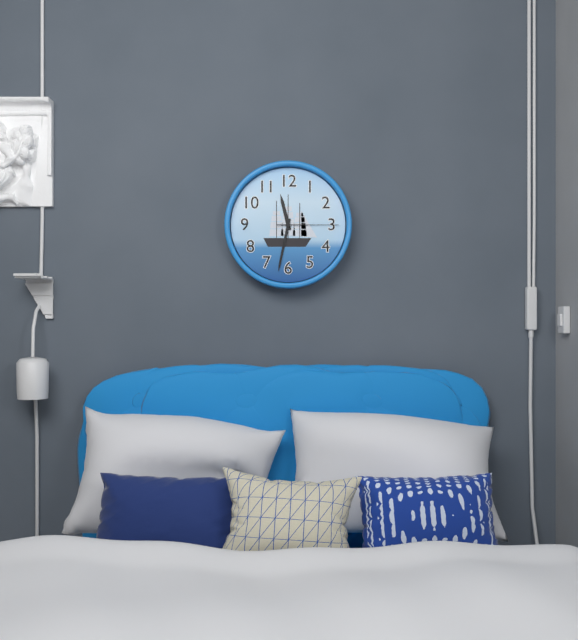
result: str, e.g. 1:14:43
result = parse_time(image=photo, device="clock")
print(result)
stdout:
11:32:15
